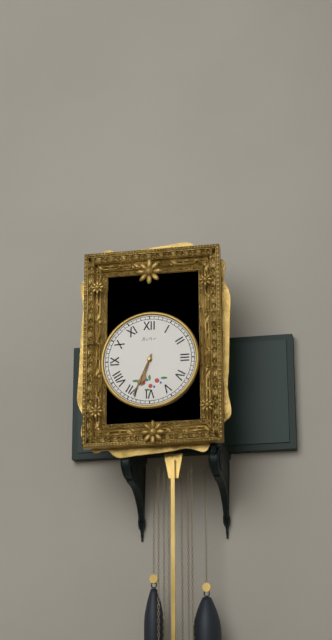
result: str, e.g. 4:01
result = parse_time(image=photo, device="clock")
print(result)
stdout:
6:34
